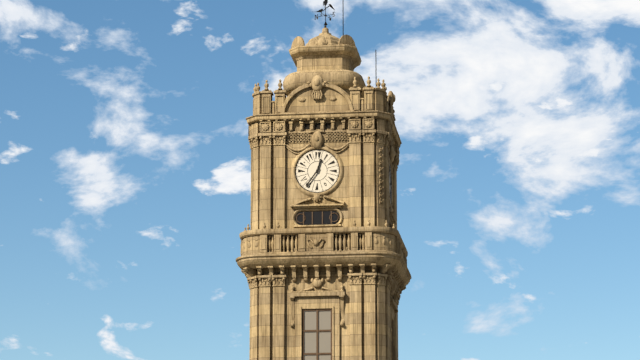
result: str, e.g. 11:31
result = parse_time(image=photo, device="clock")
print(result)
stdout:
12:36
